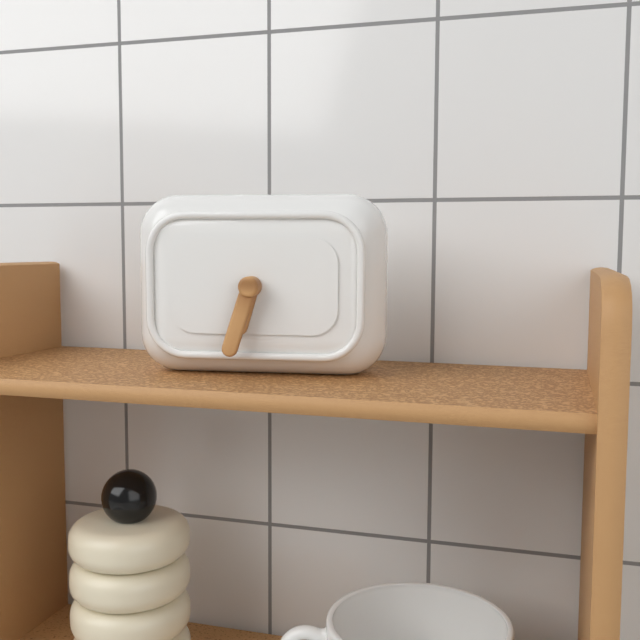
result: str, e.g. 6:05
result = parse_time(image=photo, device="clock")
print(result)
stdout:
6:33
